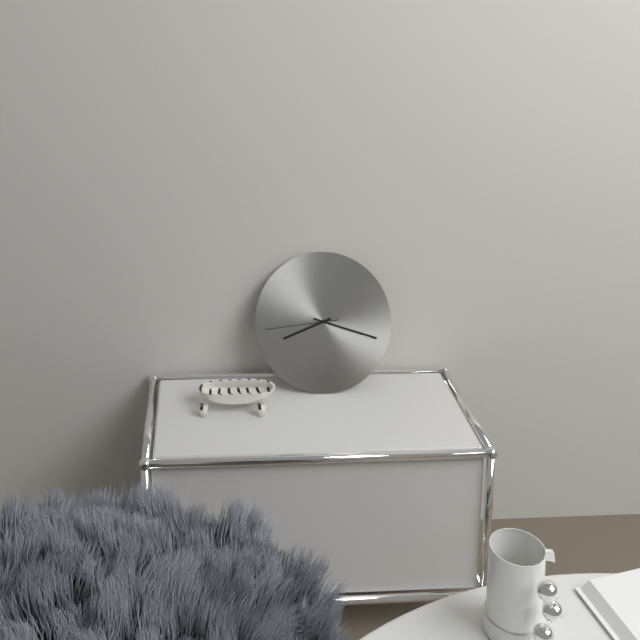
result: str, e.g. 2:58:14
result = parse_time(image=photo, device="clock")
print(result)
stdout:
8:18:44
